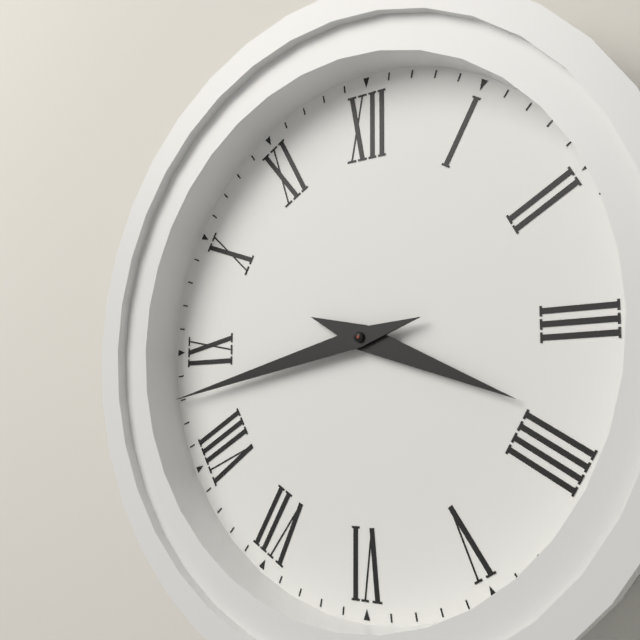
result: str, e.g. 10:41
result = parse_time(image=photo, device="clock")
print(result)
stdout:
3:43
